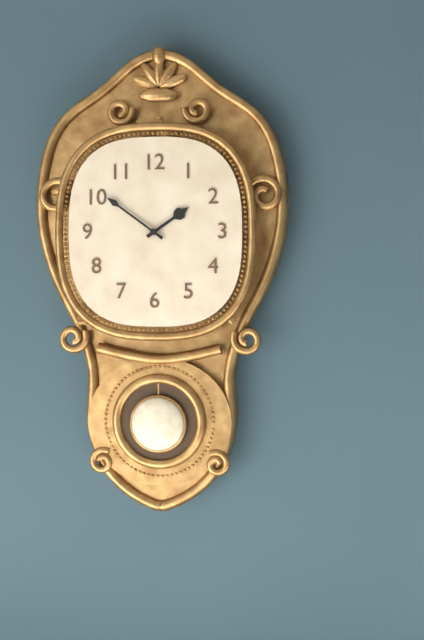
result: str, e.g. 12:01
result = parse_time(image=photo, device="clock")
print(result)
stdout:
1:51
